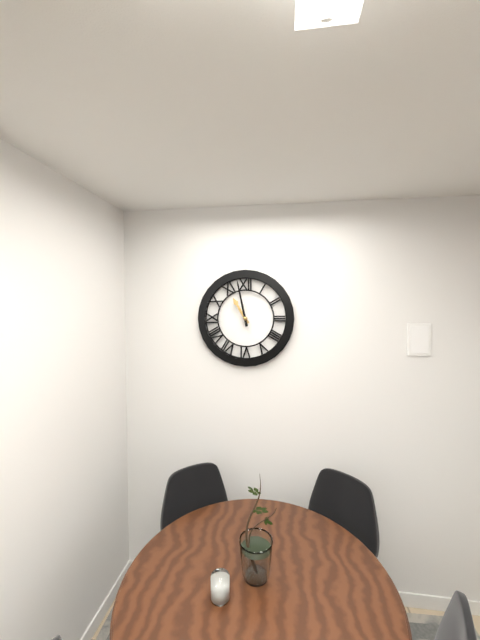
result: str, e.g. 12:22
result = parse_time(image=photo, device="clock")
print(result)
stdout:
10:58
